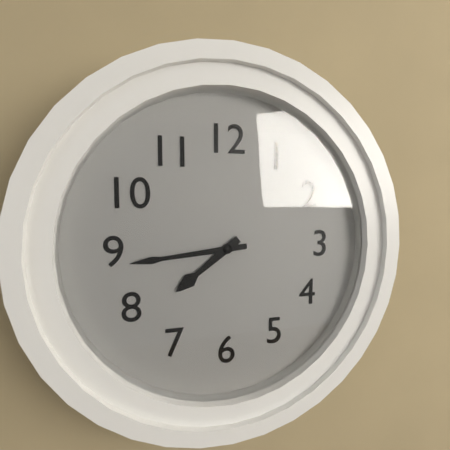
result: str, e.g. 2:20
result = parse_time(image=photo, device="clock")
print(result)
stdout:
7:44
